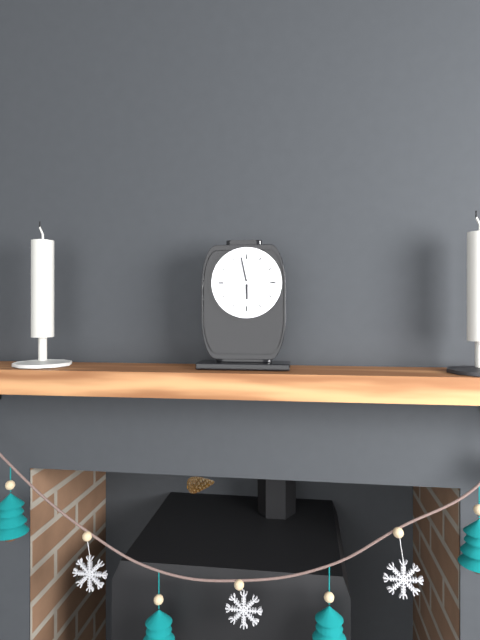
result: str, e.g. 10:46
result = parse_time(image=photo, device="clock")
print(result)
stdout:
5:58
